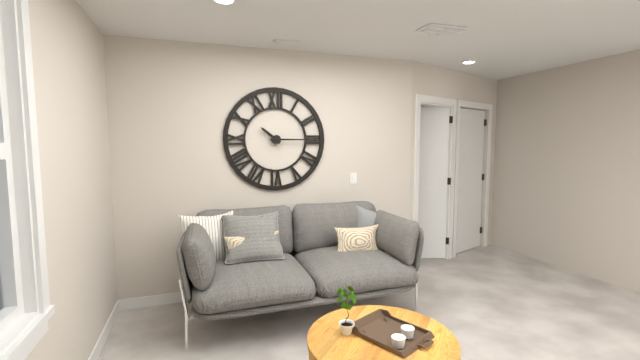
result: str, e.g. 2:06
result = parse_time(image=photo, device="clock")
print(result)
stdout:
10:15
